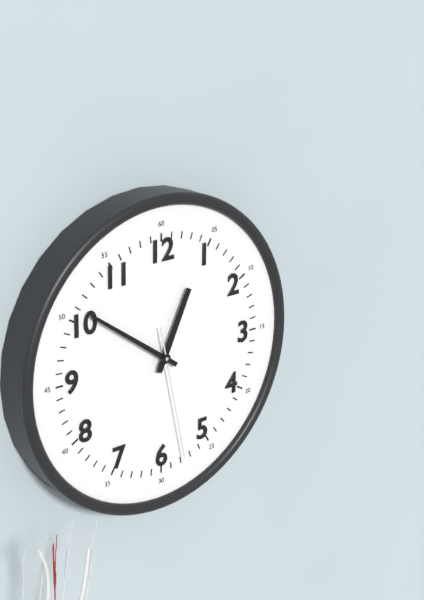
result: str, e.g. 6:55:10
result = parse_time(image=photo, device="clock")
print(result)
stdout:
12:51:28
